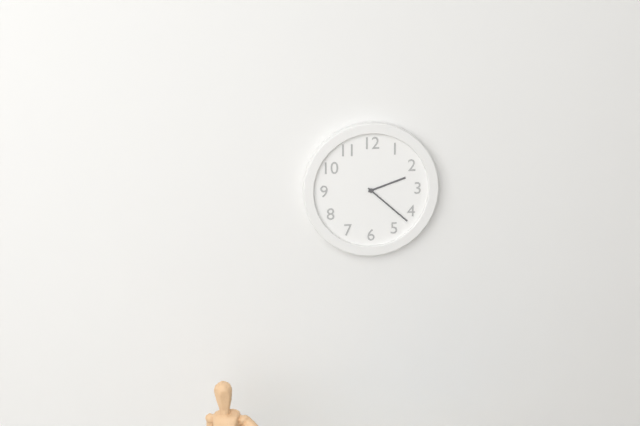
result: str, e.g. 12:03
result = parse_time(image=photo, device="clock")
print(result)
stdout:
2:22
